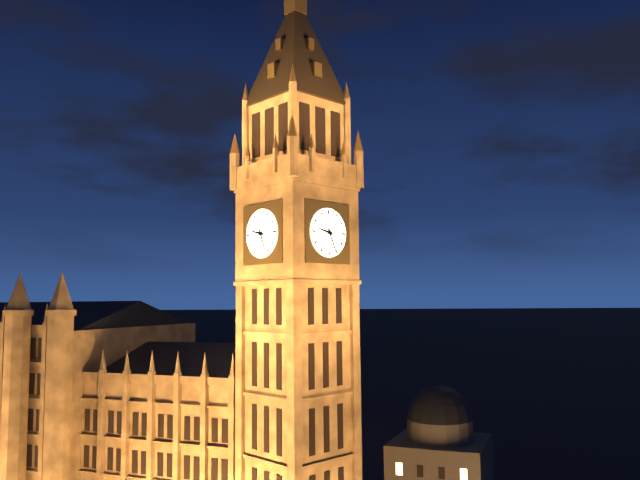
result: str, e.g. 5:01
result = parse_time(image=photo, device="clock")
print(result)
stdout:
9:26
